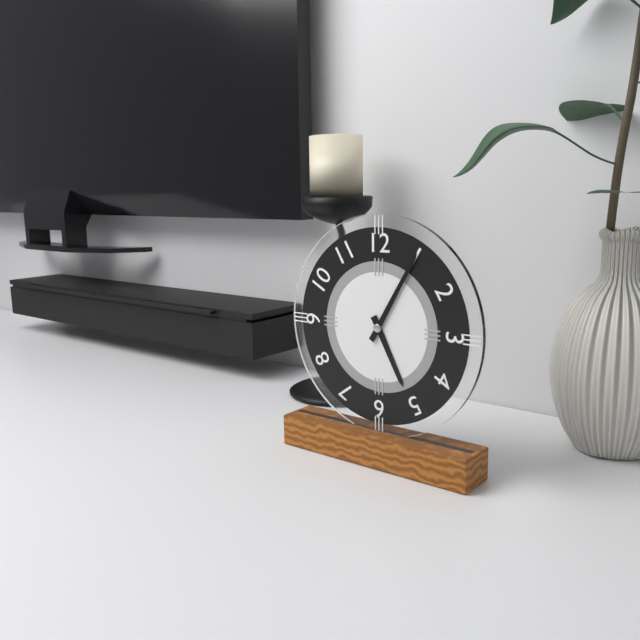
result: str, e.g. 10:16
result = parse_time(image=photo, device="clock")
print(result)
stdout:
5:05
